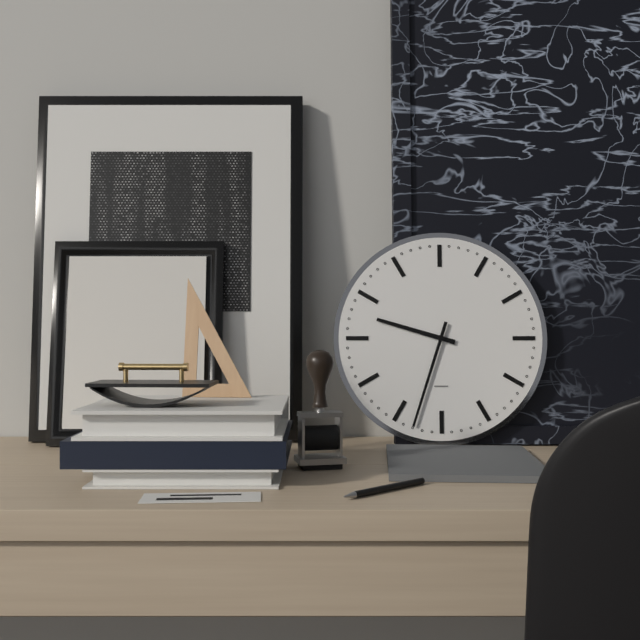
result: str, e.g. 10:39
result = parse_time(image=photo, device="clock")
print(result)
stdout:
9:33
